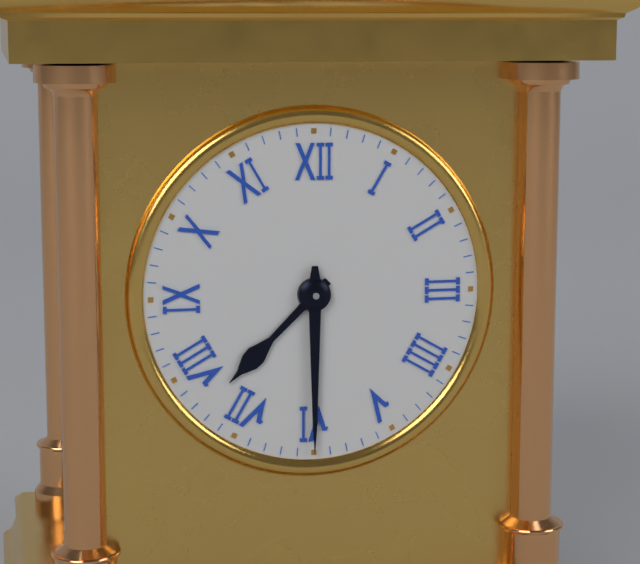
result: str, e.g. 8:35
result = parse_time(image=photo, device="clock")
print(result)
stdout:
7:30
